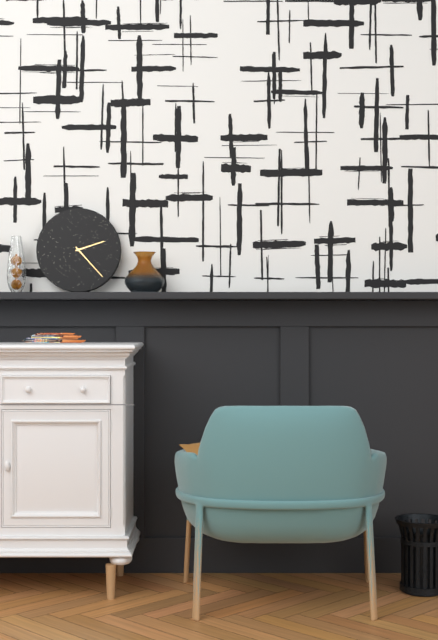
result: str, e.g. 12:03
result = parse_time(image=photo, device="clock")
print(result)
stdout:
2:23
